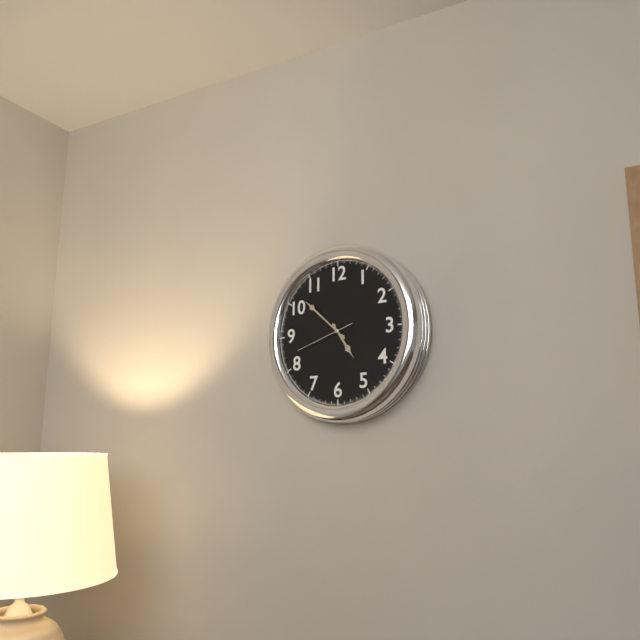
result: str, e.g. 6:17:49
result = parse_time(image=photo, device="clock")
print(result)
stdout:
4:52:42
